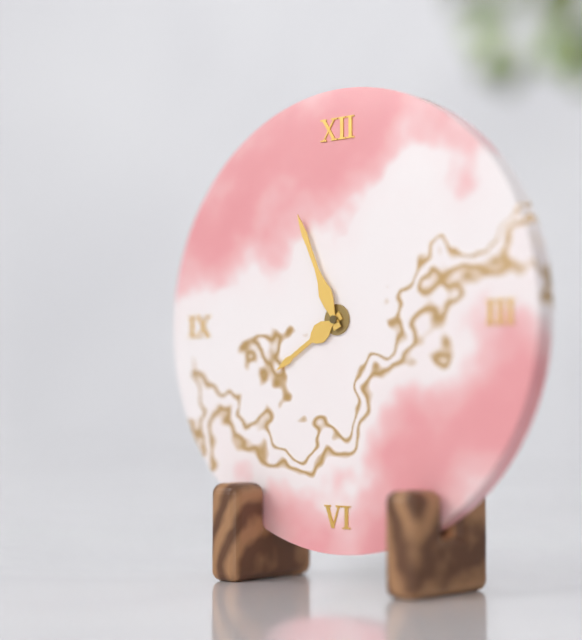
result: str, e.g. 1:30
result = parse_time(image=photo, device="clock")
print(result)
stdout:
7:56
